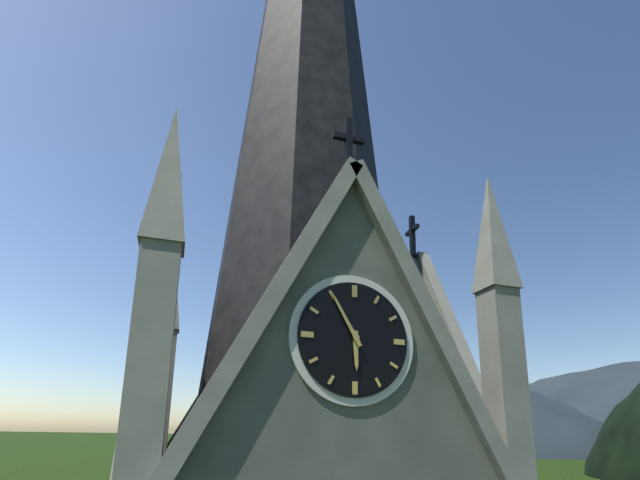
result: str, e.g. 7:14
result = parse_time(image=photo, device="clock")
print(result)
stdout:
5:55
